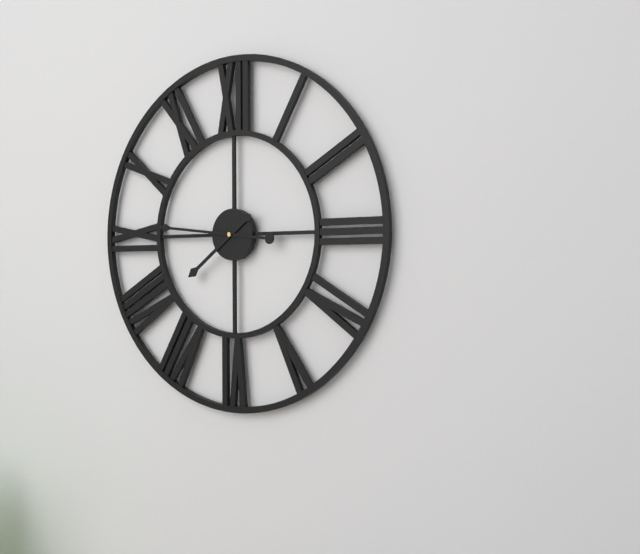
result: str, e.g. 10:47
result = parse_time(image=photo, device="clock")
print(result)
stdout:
7:46
